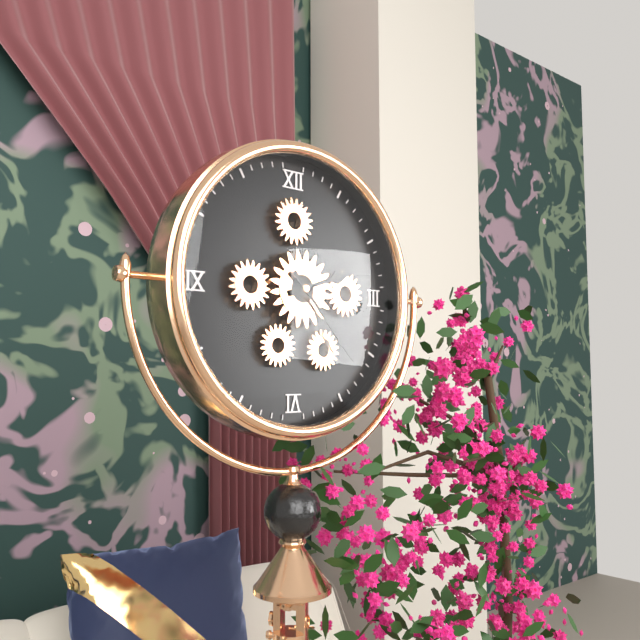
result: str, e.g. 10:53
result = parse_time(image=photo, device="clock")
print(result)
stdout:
2:23
